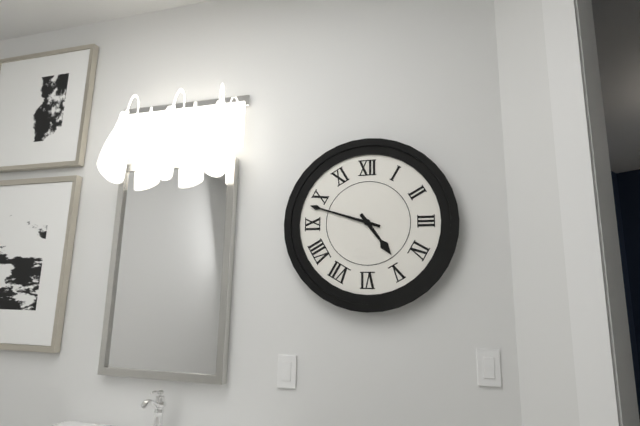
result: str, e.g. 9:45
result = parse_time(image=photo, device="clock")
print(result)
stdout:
4:48
